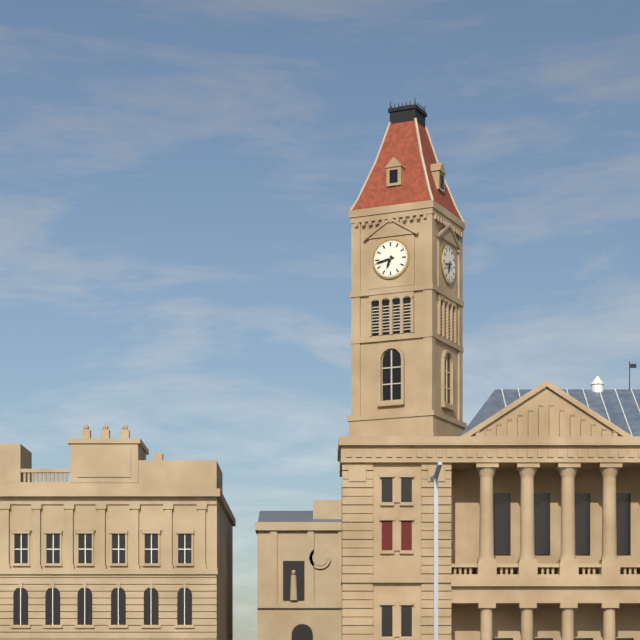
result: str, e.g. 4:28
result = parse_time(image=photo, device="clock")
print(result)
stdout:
6:43
